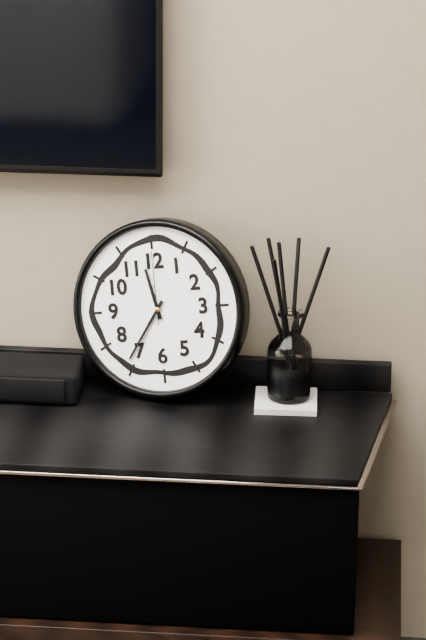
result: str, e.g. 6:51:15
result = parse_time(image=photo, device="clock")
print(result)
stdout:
11:36:00
